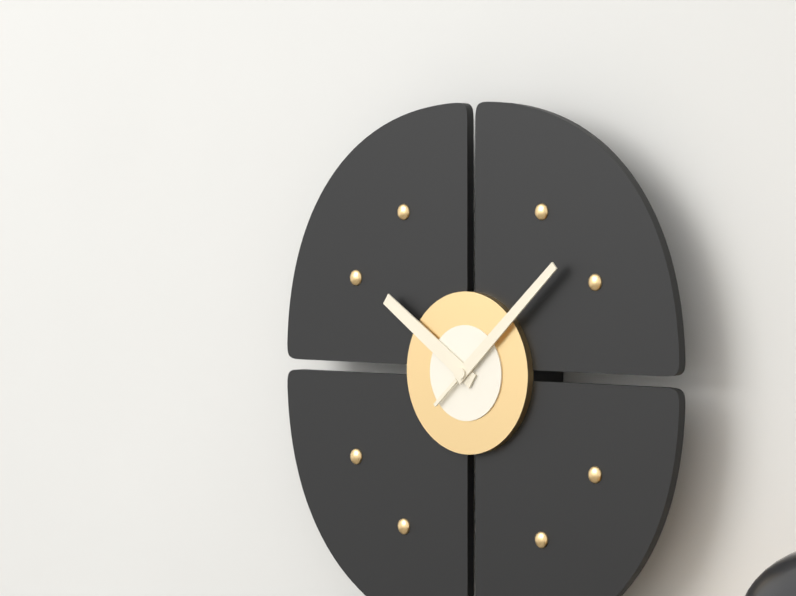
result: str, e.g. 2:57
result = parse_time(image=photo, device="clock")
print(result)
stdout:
10:08
